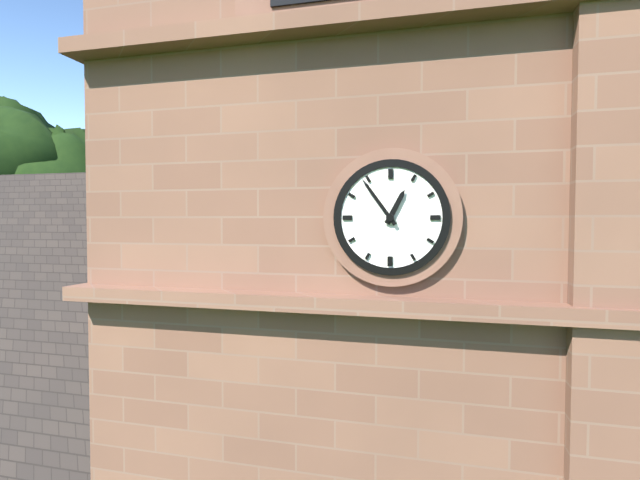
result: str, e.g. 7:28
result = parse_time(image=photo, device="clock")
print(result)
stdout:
12:54
